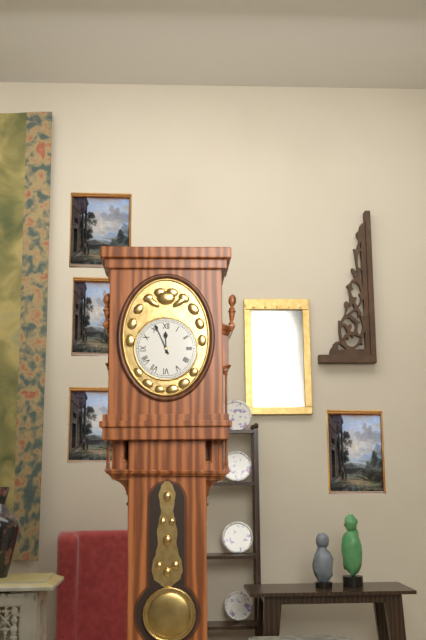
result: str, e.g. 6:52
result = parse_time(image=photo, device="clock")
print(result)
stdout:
11:56
